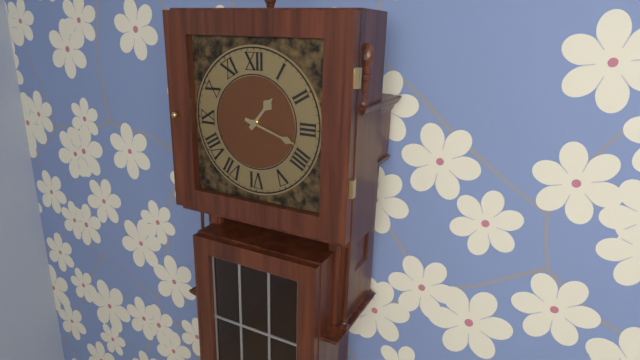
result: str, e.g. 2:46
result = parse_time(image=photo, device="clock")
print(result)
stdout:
1:18
